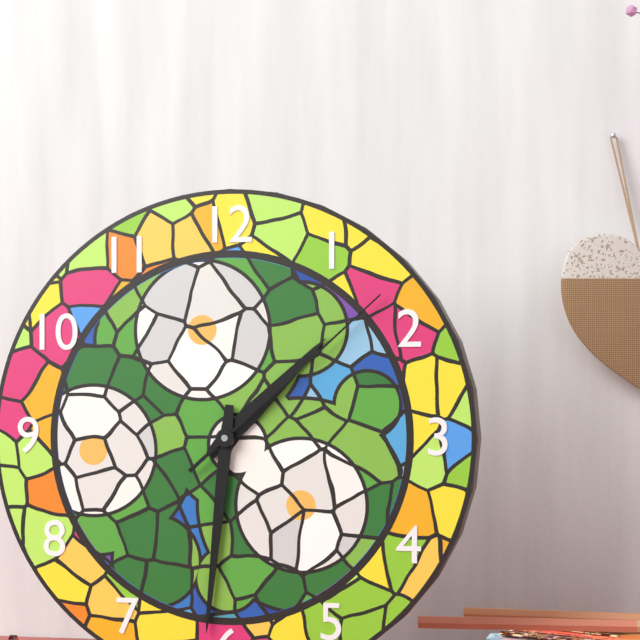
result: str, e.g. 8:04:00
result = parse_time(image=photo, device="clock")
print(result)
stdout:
1:31:08
